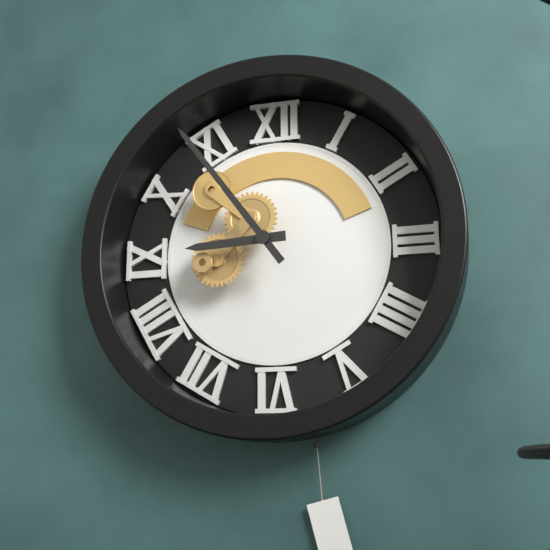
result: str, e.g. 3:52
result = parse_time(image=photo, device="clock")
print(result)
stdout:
8:54
